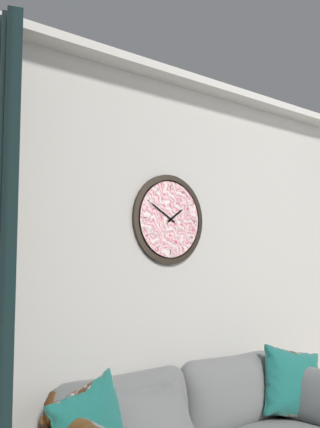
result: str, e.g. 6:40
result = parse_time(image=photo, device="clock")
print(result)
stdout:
1:50
